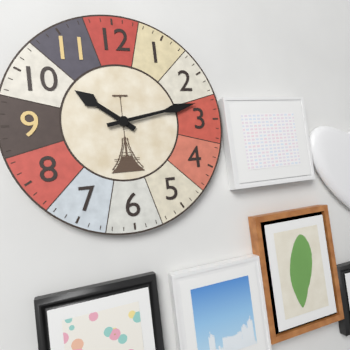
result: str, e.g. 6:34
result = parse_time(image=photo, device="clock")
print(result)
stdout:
10:13
